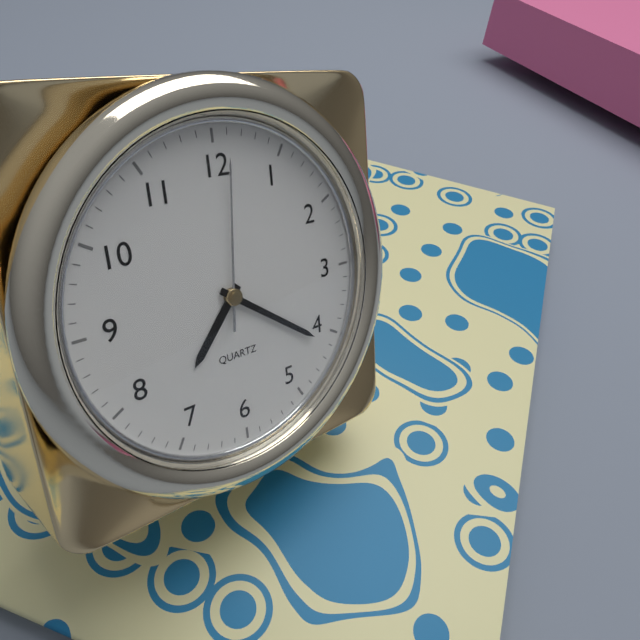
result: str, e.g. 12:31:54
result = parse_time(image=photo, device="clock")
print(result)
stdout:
7:21:01
